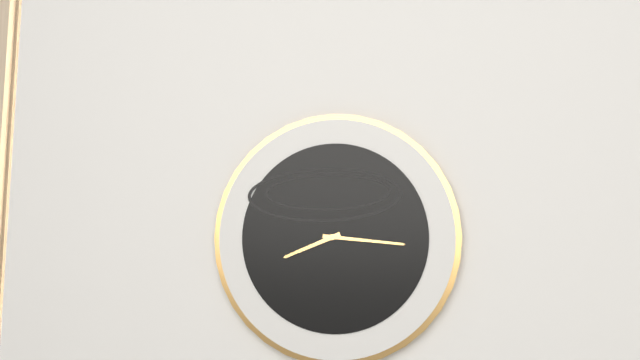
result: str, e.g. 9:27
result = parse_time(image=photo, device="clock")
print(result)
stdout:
8:16
